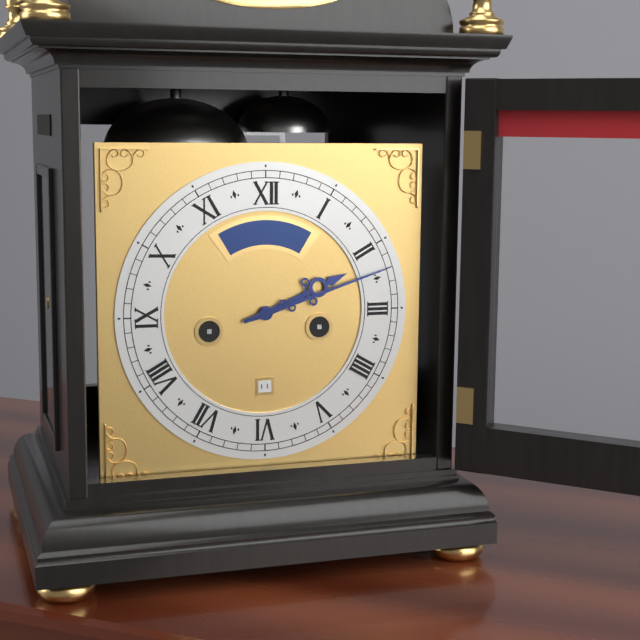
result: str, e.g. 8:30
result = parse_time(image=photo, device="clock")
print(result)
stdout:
2:12
